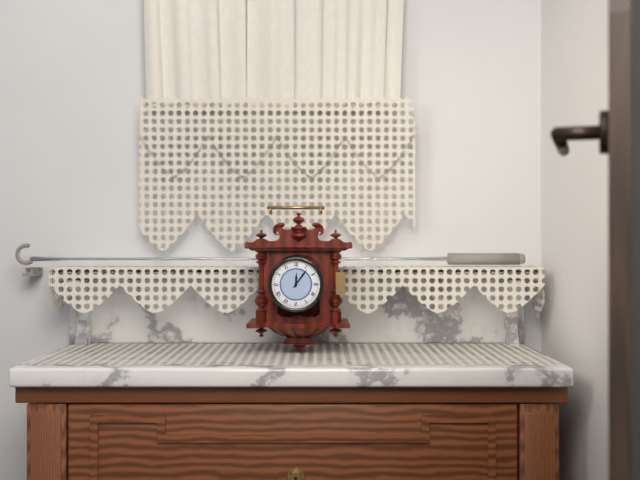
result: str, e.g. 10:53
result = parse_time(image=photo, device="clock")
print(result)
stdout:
12:06
